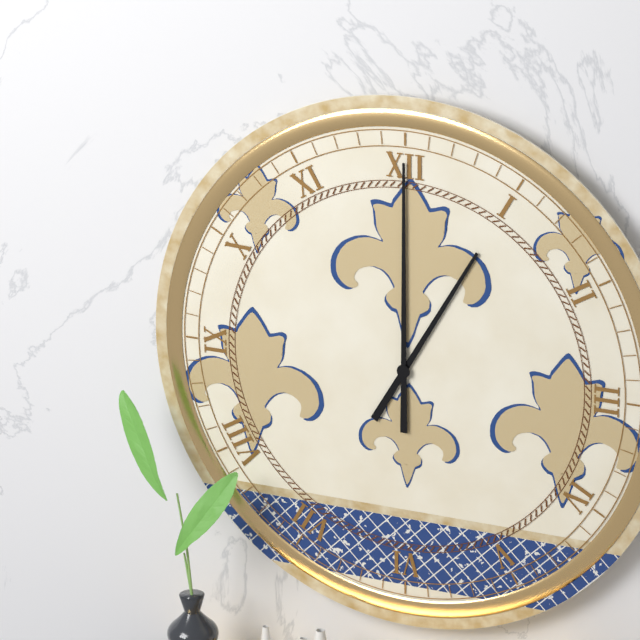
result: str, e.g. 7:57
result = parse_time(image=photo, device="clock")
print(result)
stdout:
1:00
